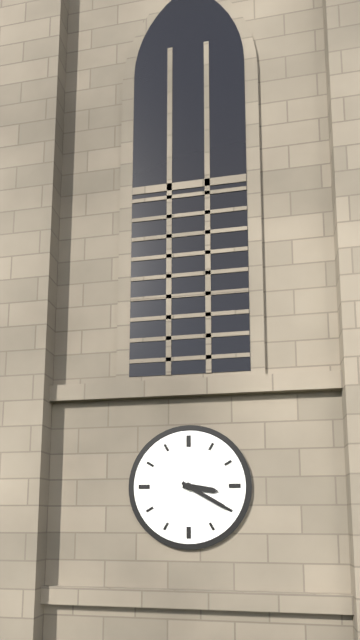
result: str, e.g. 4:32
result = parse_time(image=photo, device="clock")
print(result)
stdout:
3:20
